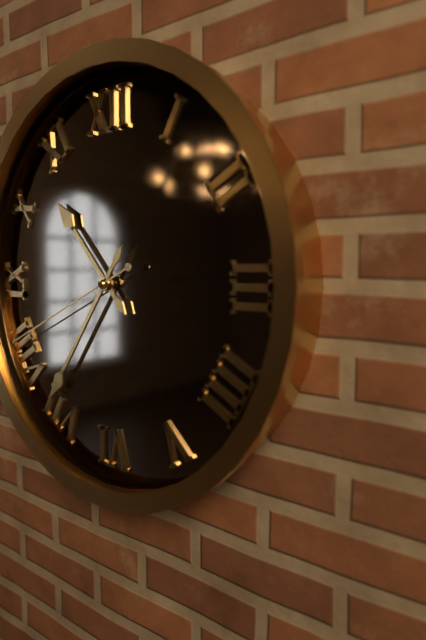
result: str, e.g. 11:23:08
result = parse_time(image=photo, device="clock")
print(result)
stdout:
10:36:41
